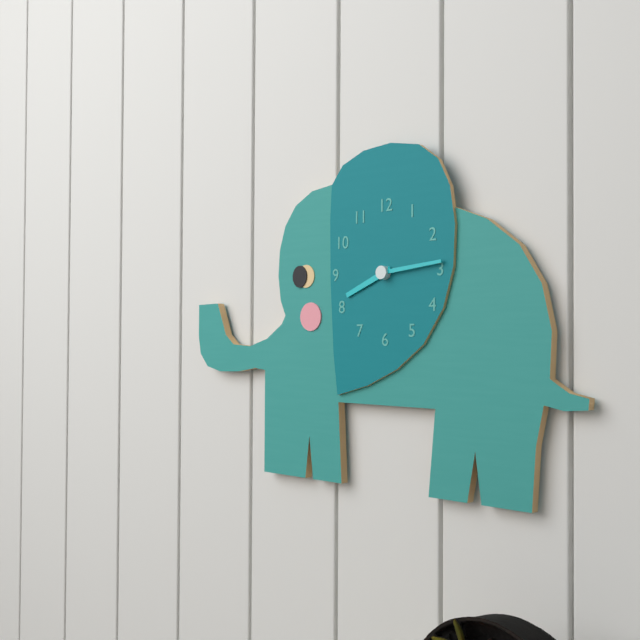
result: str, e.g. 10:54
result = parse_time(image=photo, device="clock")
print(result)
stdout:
8:14
